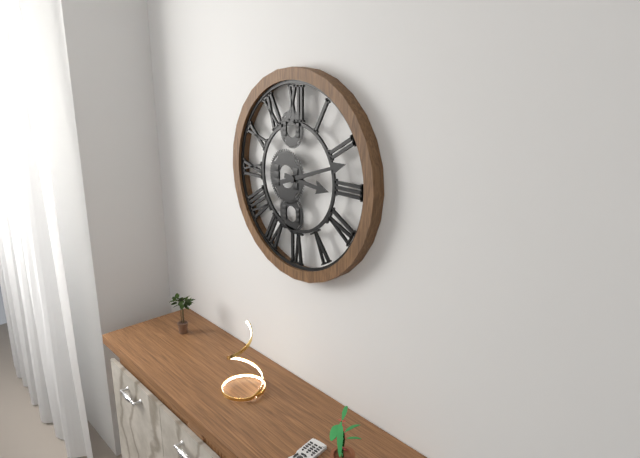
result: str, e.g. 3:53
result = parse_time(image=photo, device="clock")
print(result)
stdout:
3:12
